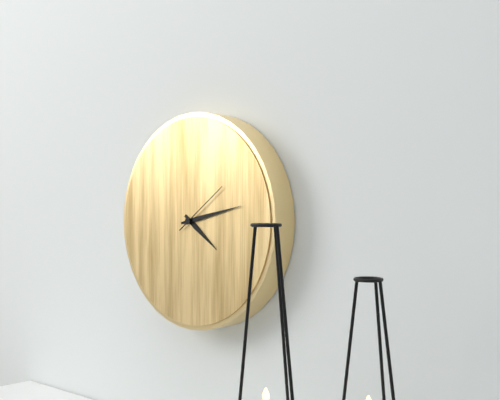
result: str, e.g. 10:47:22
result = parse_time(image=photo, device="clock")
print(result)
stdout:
4:13:09
